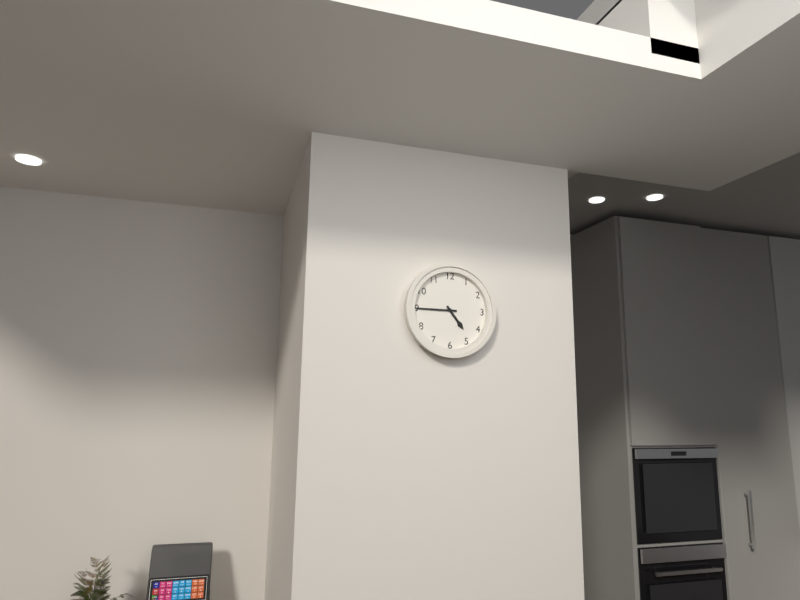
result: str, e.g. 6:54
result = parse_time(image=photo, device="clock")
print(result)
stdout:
4:45
